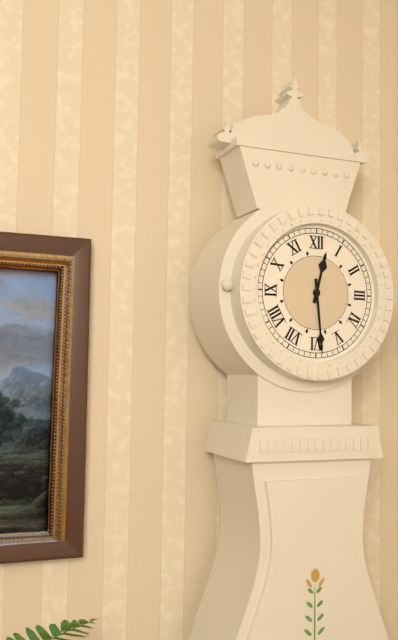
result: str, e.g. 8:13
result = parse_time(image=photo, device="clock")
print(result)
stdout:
12:29
